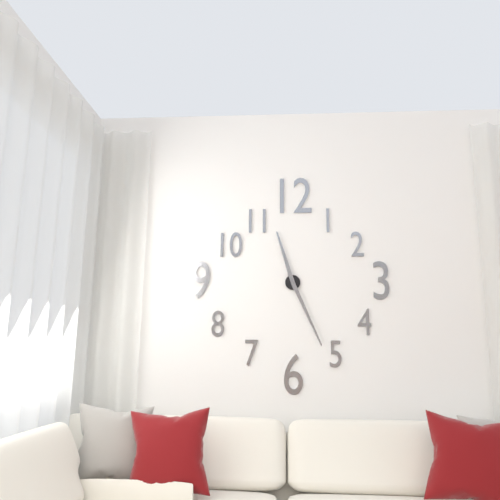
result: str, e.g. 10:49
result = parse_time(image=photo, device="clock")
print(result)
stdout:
11:26
